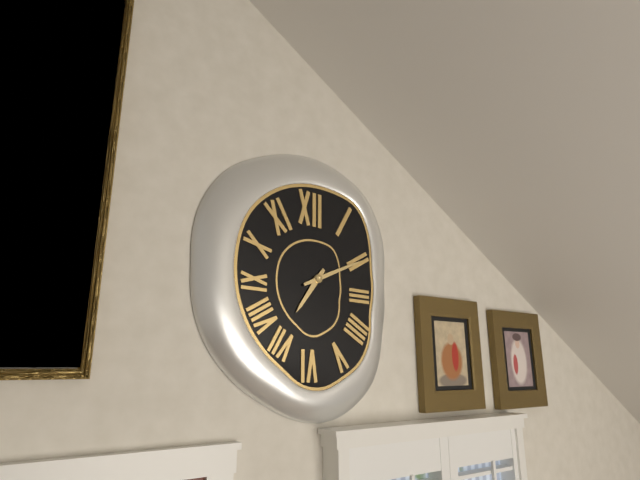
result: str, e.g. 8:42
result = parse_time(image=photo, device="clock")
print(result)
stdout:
7:11
